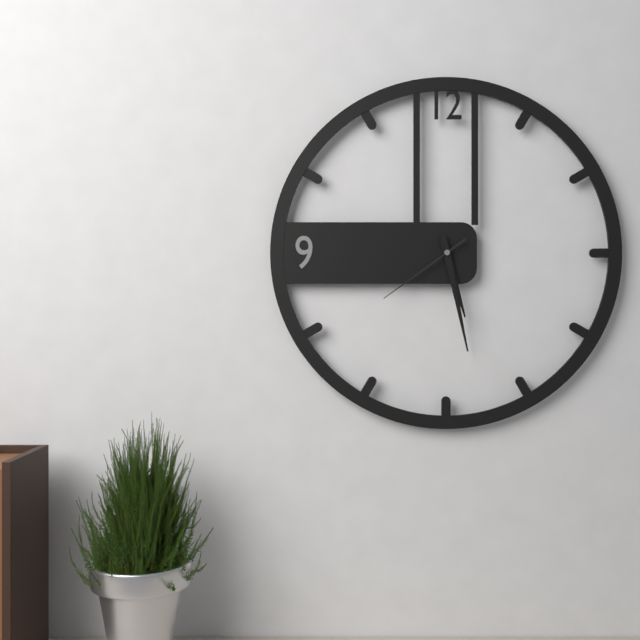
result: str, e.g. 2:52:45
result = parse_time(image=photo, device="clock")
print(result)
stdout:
5:28:39
